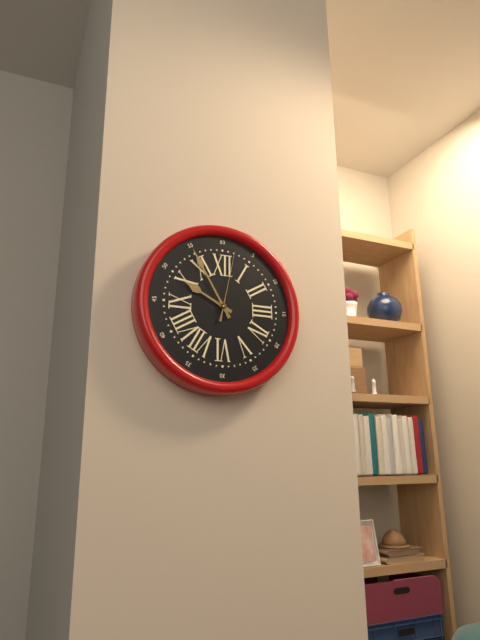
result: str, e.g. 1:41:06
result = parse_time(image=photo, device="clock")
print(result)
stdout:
9:55:02
